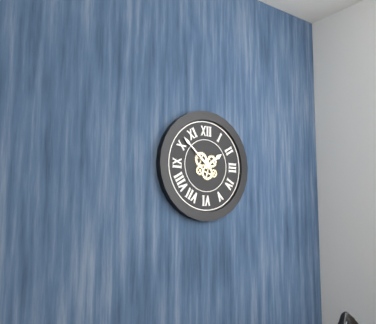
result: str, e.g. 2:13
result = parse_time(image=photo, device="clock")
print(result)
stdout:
1:52
